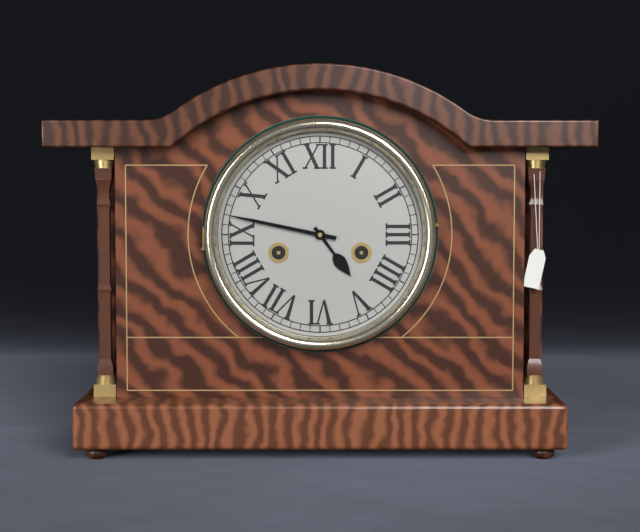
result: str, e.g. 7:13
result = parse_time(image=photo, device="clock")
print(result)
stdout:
4:47
